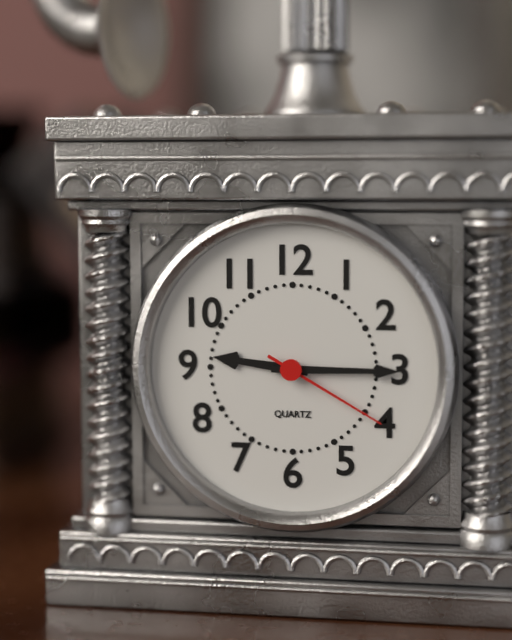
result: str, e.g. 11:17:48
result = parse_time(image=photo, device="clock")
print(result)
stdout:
9:15:20
